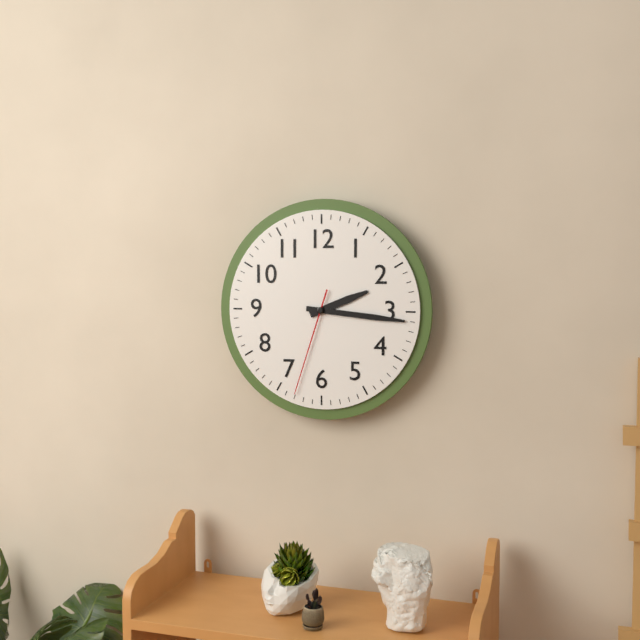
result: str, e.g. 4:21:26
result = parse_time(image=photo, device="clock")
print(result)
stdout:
2:16:33
